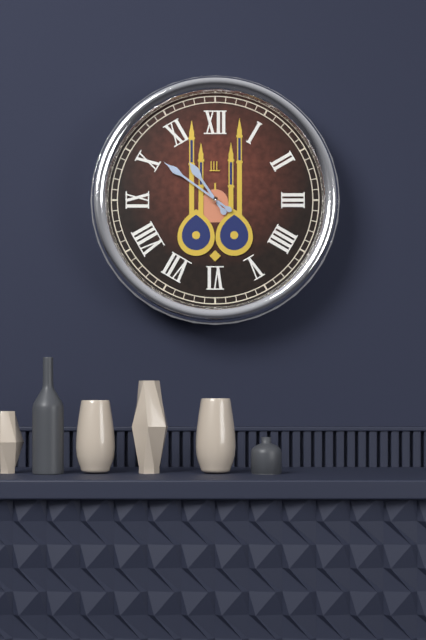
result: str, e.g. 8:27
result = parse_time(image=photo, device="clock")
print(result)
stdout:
10:51
